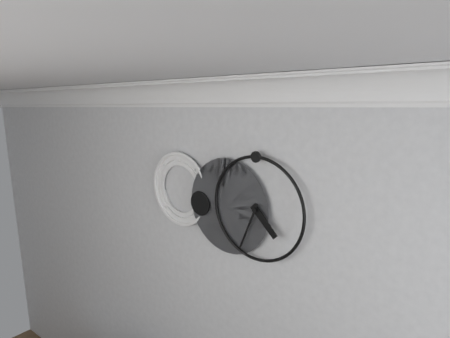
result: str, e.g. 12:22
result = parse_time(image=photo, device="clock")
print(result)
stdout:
4:34
